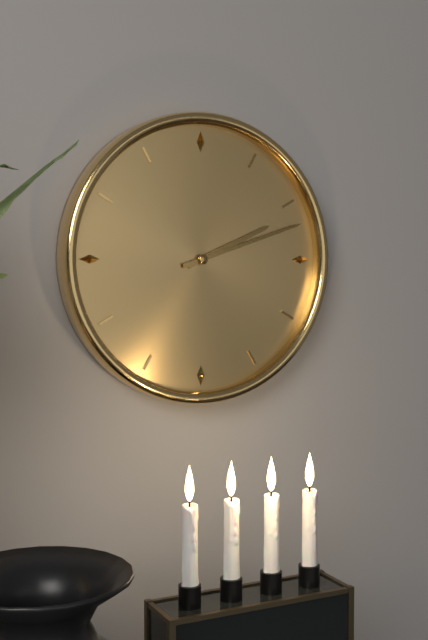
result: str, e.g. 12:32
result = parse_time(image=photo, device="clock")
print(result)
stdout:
2:12
